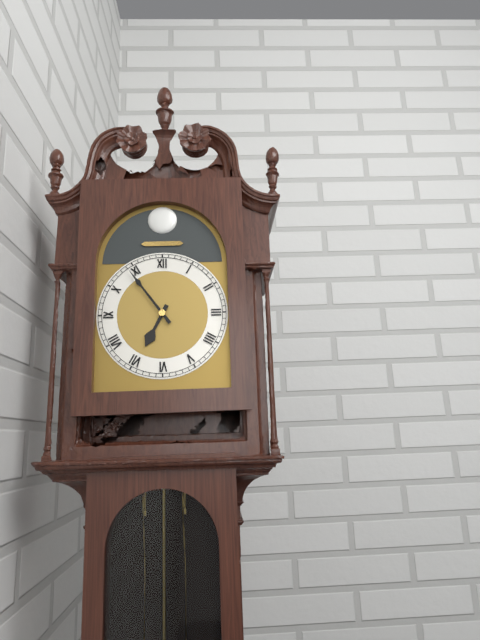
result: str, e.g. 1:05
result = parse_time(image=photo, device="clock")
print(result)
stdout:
6:54
